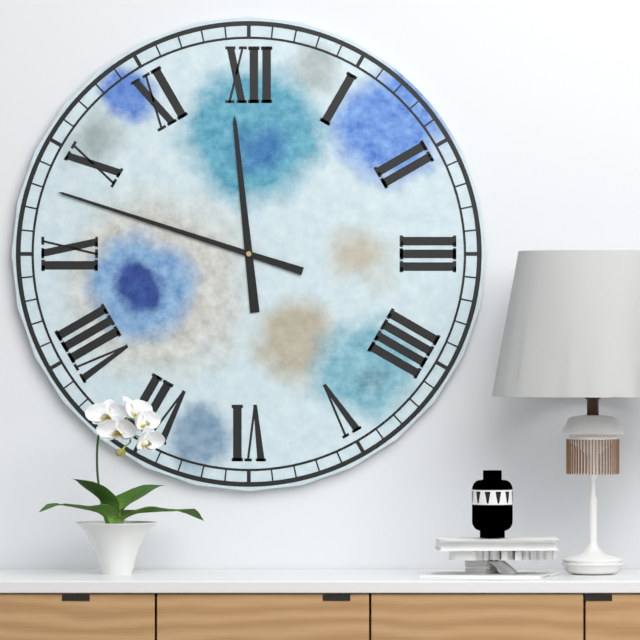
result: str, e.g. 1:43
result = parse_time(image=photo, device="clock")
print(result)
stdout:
11:48
